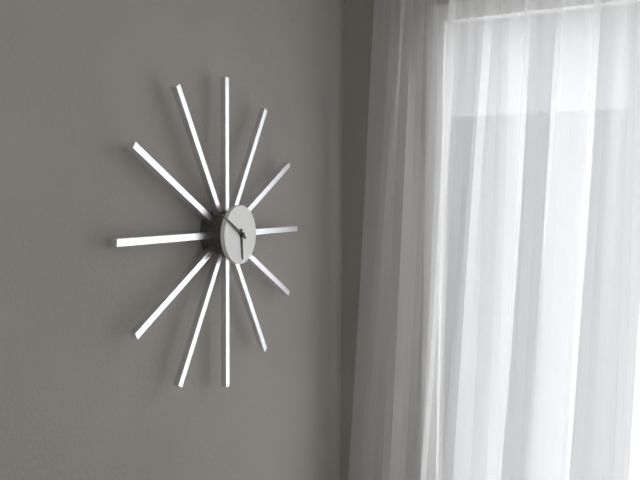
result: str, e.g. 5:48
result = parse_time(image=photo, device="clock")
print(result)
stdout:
5:50
